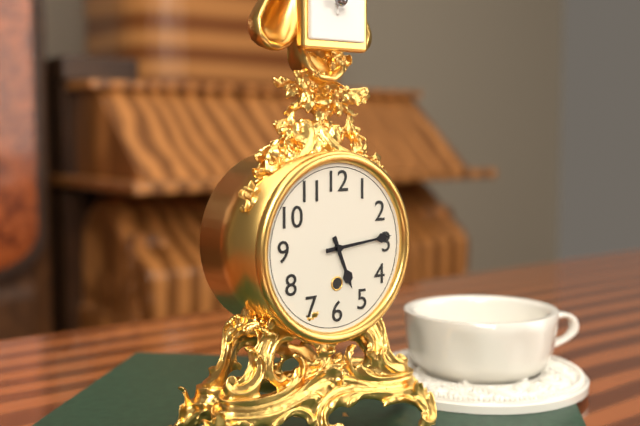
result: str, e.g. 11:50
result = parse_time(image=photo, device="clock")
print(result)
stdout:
5:14
